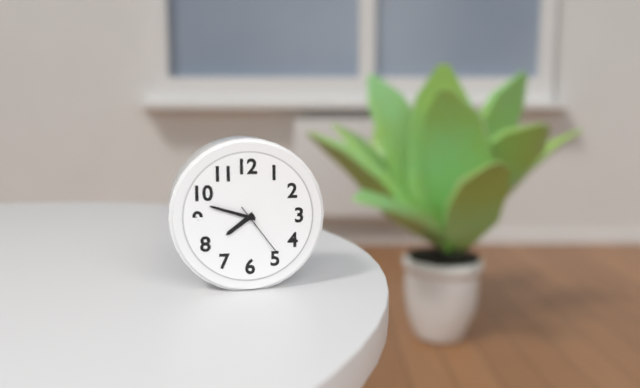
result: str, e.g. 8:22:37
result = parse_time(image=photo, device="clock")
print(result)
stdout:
7:48:24
